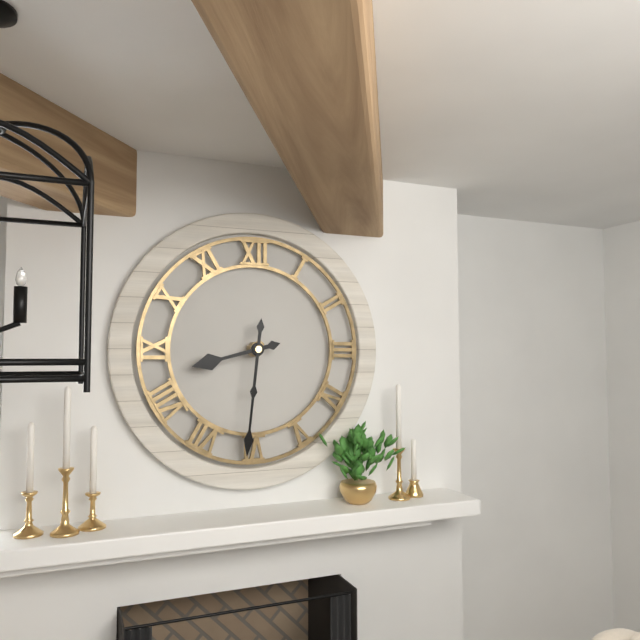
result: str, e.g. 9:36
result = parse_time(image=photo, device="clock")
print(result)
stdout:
8:31
